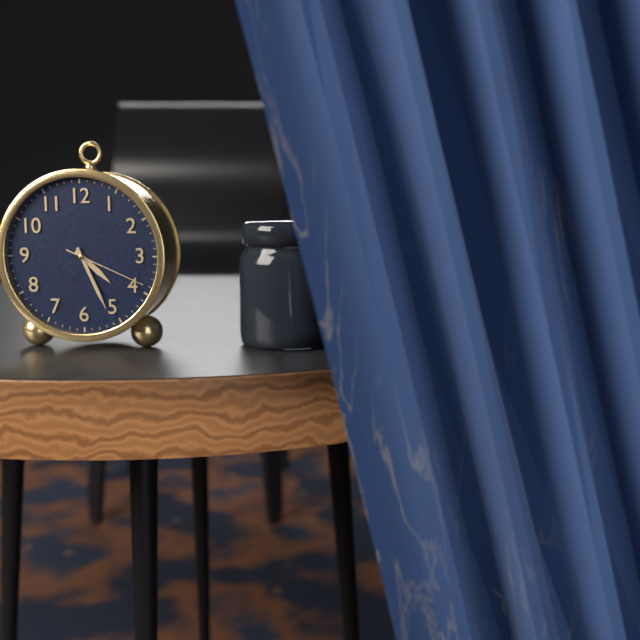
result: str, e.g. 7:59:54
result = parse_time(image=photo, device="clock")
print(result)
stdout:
4:26:19
